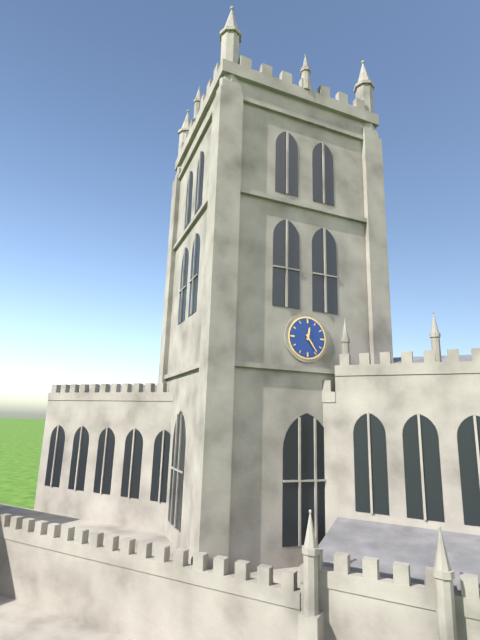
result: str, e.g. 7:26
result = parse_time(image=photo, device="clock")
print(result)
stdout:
12:24
